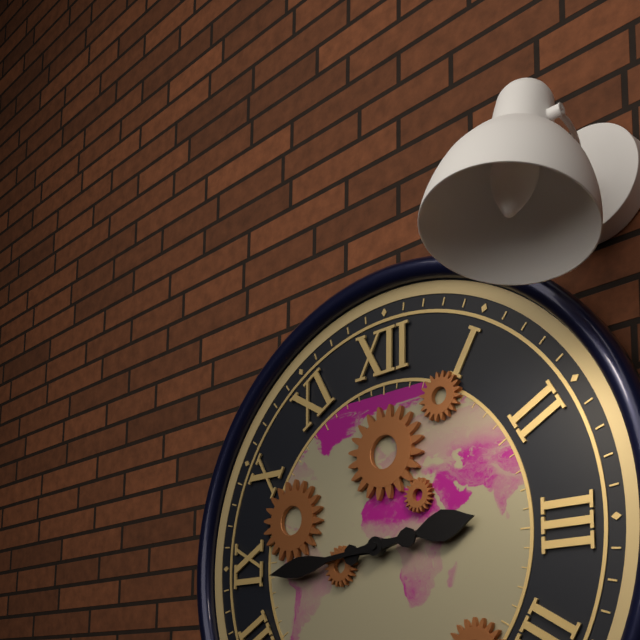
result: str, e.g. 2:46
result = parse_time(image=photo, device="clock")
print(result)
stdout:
2:44
